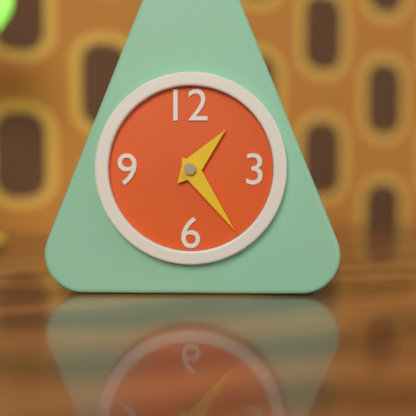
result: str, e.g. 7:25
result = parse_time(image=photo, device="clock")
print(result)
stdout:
1:24
